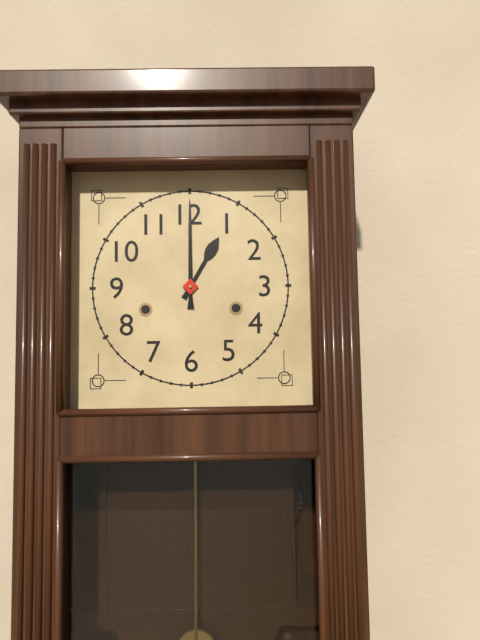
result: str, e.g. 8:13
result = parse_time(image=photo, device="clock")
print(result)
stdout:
1:00
